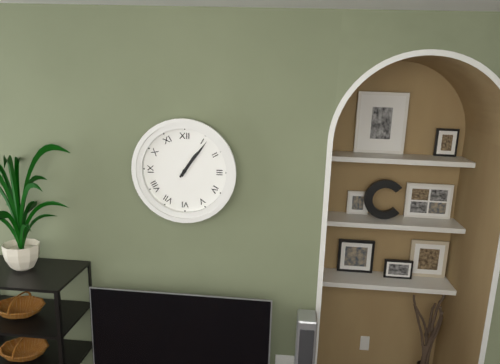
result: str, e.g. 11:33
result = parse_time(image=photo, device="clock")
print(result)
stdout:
1:06
